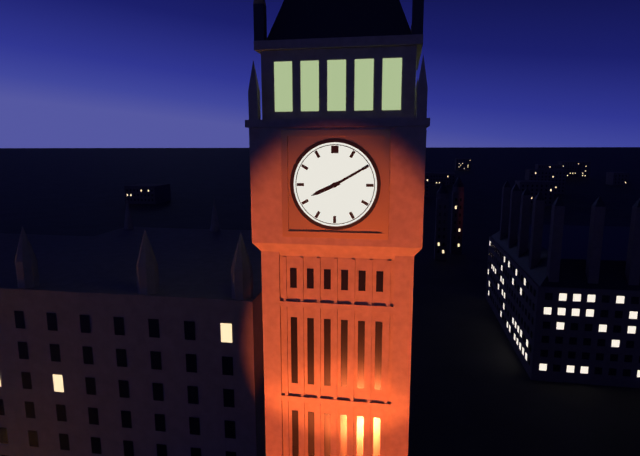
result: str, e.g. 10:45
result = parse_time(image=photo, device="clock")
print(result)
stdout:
8:10
